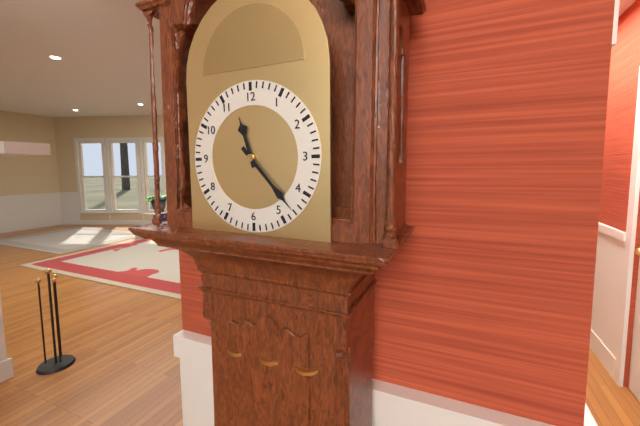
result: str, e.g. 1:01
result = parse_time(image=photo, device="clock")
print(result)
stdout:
11:23
